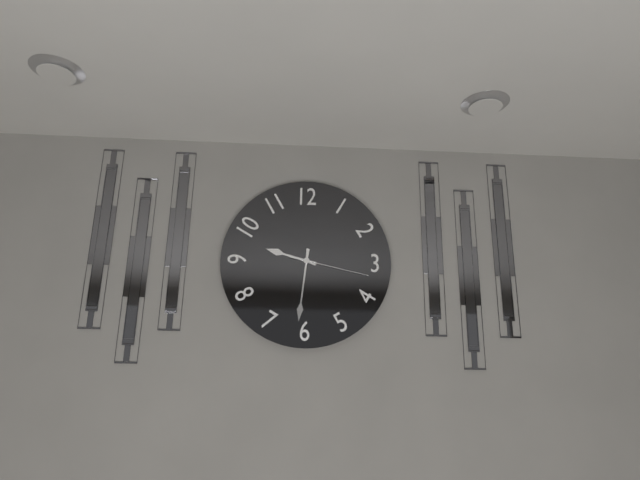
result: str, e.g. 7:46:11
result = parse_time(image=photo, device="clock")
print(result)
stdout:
9:31:17
